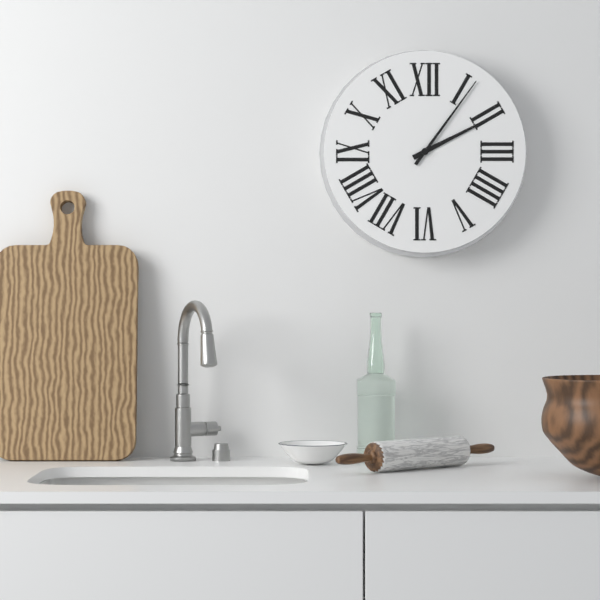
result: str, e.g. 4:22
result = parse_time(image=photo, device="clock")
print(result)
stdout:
2:06
